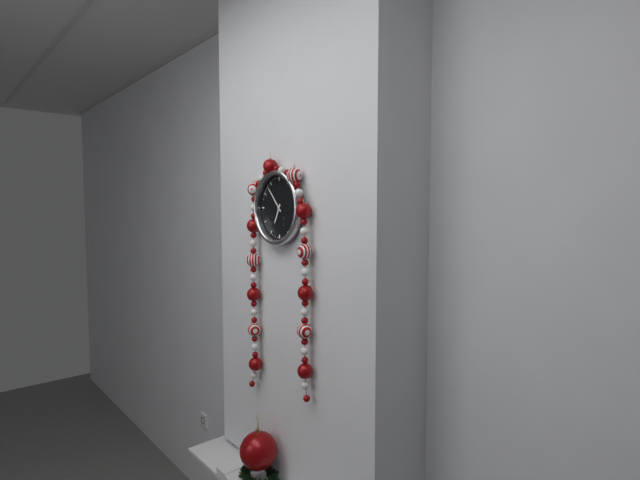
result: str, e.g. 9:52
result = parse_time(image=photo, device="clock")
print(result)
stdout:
6:53
